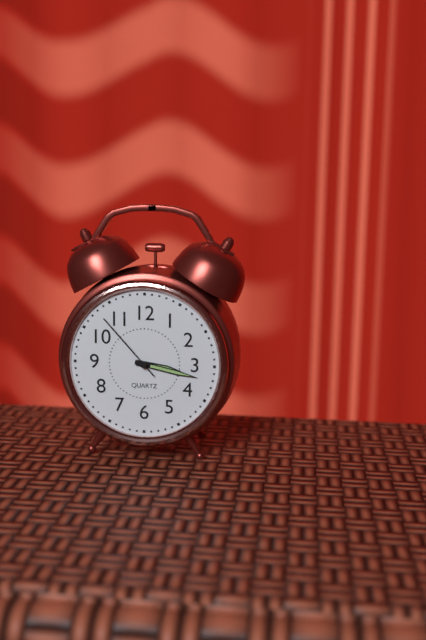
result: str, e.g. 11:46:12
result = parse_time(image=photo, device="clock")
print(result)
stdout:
3:17:53
